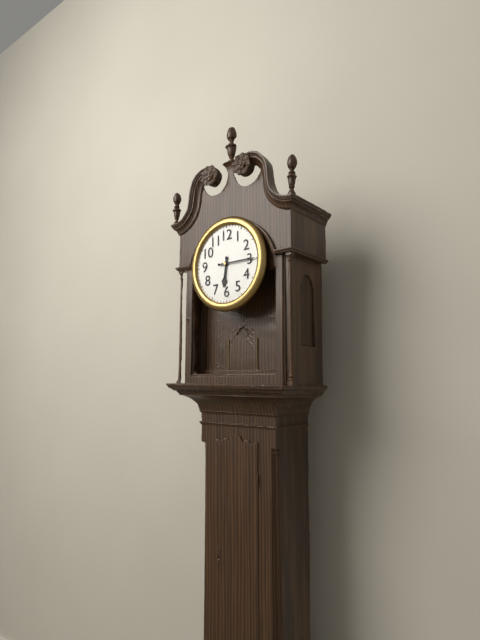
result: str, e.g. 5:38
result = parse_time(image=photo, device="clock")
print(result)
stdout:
6:15
